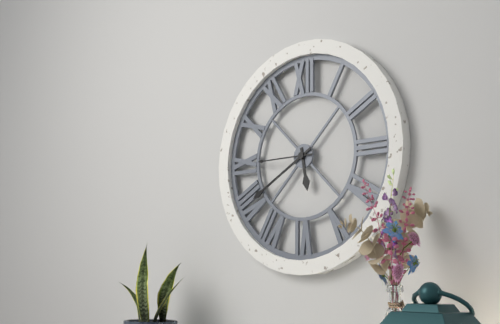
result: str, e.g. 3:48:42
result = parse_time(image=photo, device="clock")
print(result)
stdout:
5:40:45
